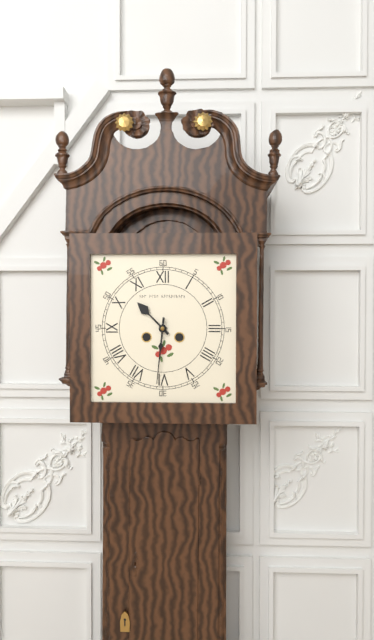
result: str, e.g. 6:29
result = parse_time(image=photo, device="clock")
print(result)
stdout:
10:31
